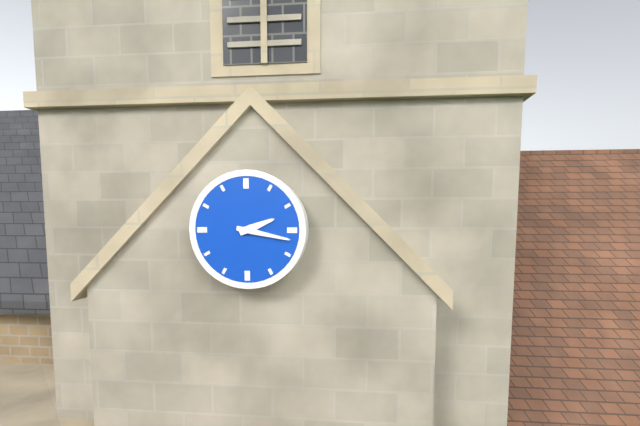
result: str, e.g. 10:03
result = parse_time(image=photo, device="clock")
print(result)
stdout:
2:17
